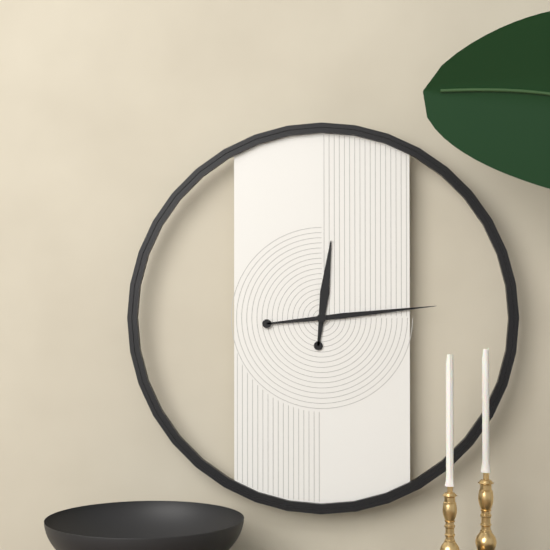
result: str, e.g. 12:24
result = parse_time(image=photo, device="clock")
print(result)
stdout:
12:14
